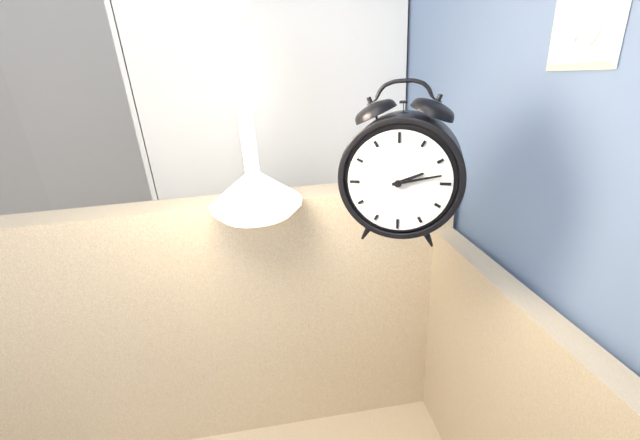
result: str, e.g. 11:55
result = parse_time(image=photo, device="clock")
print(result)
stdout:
2:13
